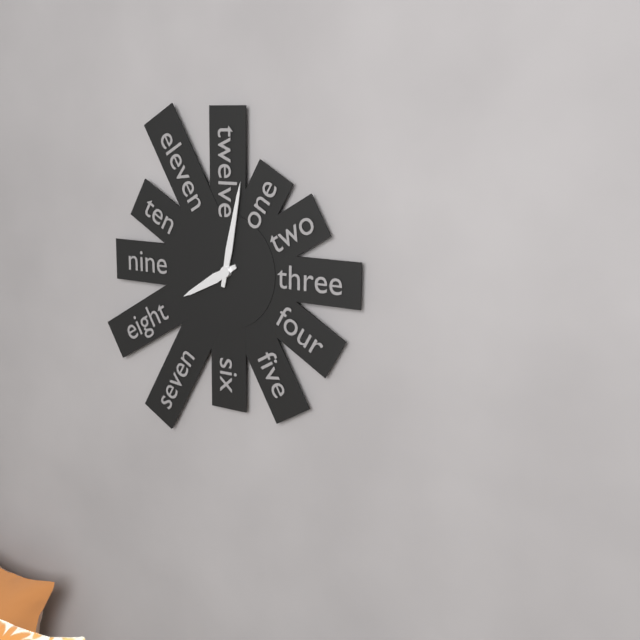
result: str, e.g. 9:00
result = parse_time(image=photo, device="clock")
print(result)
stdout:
8:02
